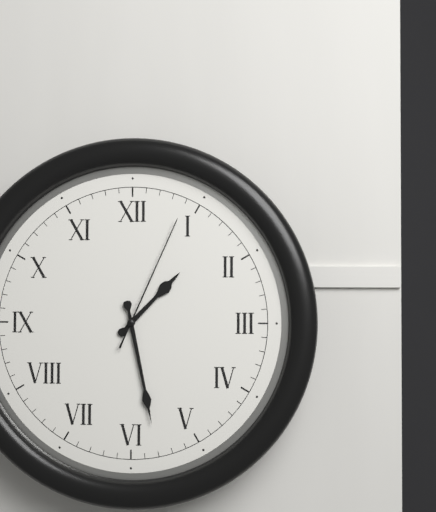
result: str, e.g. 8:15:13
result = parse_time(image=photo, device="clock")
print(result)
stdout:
1:28:04
